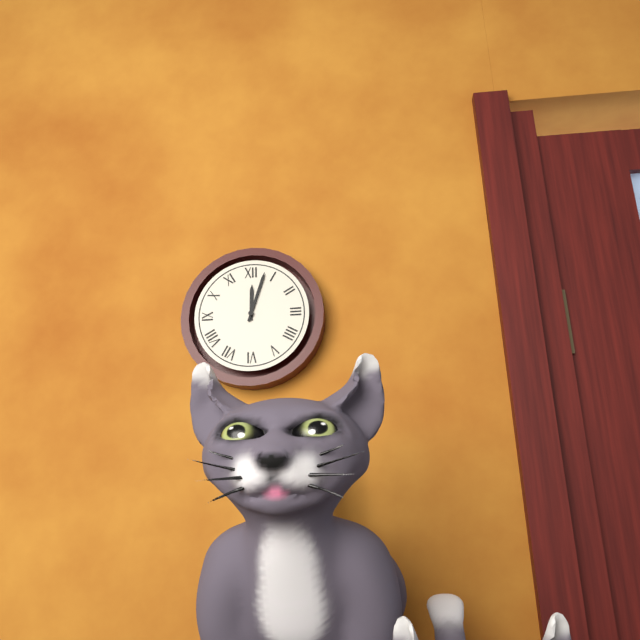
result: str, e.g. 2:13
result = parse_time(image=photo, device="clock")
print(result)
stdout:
12:03
